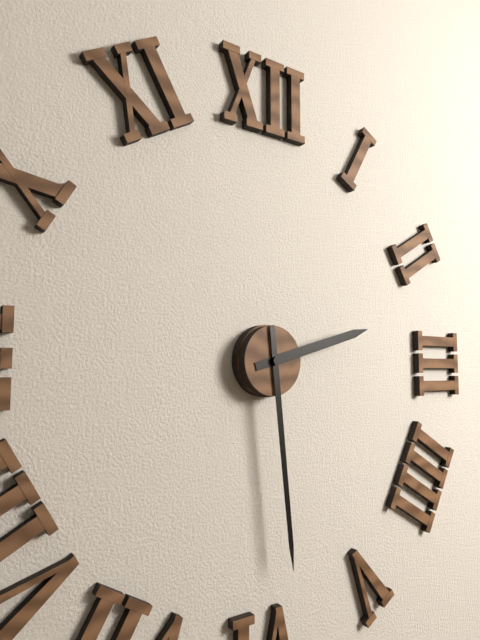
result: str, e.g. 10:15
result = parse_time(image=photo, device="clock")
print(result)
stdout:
2:29
